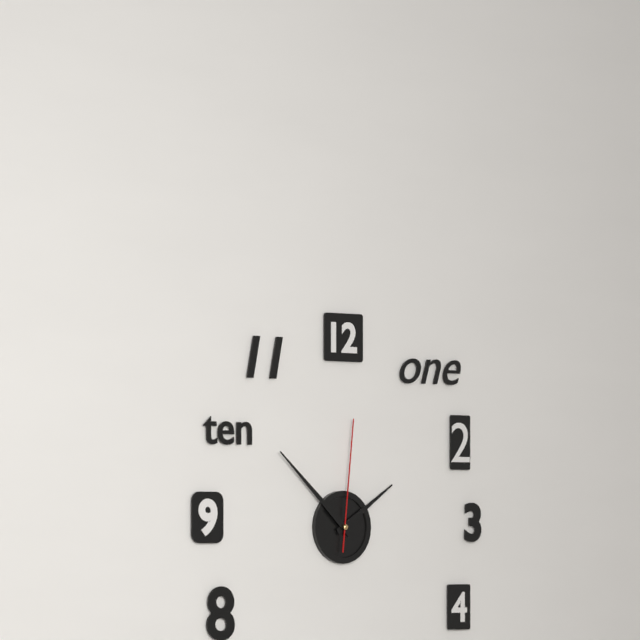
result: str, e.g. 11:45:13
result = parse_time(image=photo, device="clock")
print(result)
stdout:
1:52:01
